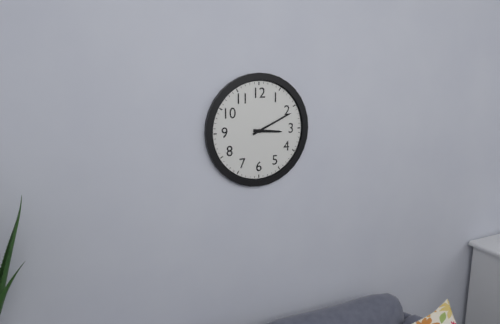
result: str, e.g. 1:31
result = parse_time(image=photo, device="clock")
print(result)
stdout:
3:11
